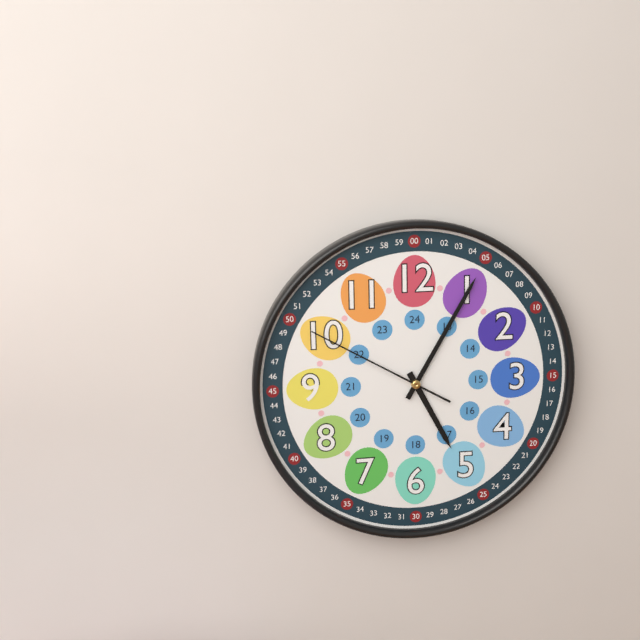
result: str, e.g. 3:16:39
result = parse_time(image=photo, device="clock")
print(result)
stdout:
5:05:50
